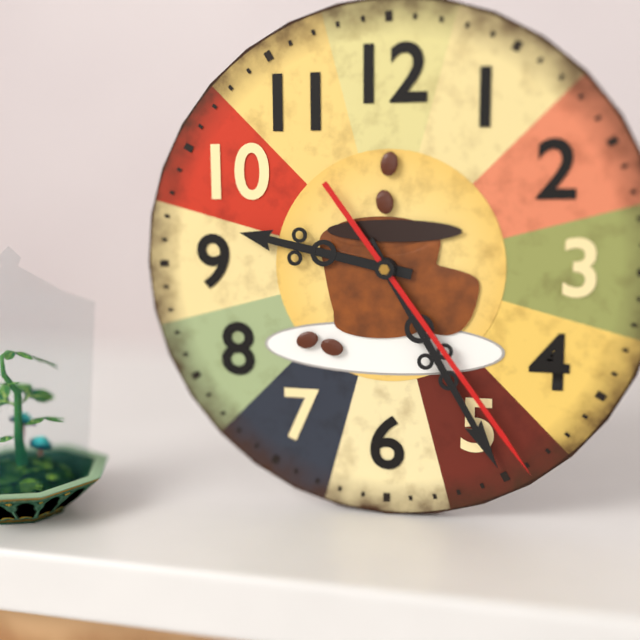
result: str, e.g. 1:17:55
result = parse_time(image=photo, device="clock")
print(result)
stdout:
9:25:24
